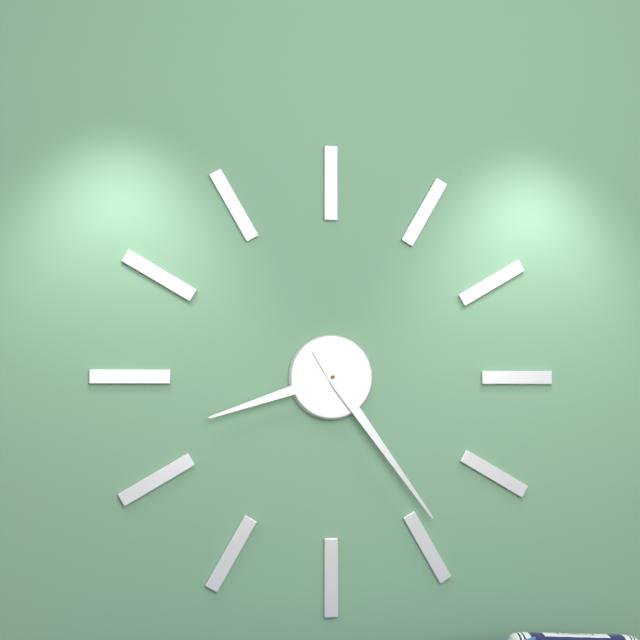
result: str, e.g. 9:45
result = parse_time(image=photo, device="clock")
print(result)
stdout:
8:24
